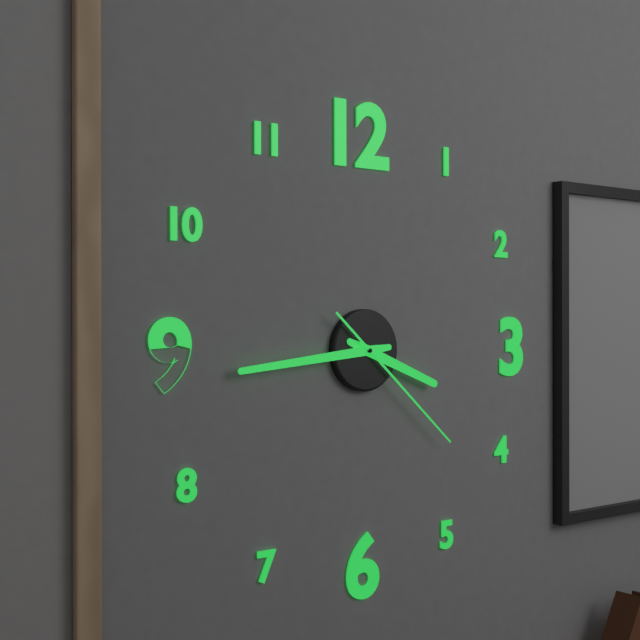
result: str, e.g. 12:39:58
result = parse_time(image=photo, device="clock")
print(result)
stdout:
3:44:22
